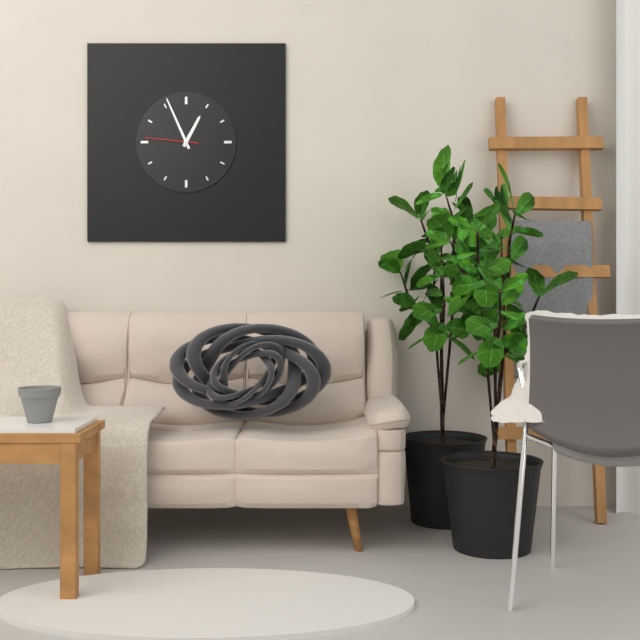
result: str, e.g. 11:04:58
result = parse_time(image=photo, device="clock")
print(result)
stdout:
12:56:46
